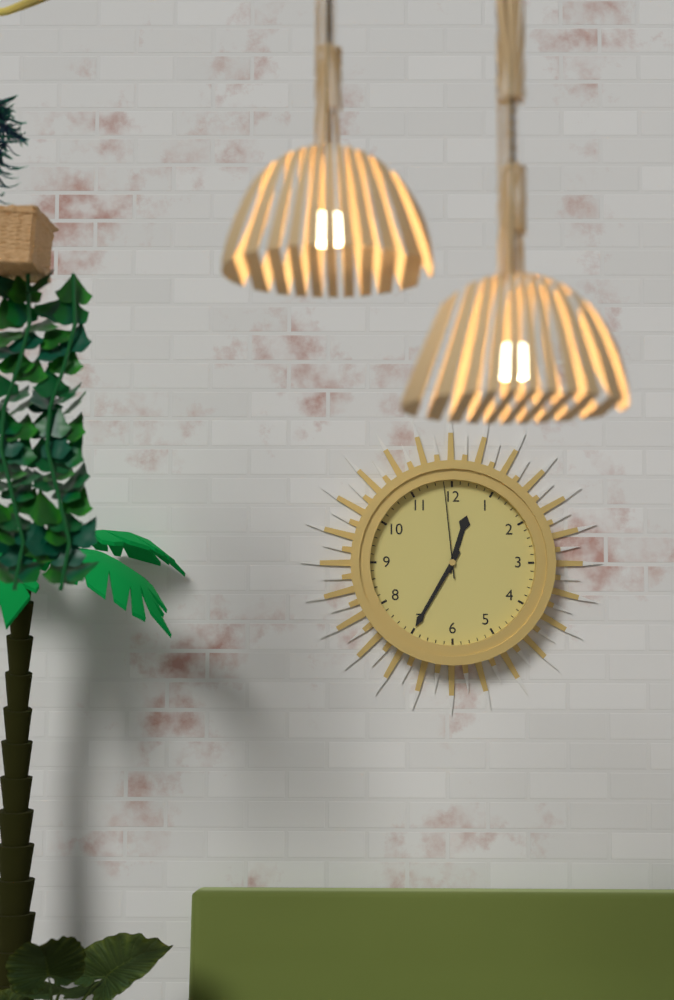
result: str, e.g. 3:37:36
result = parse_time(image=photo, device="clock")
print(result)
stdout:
12:35:59
